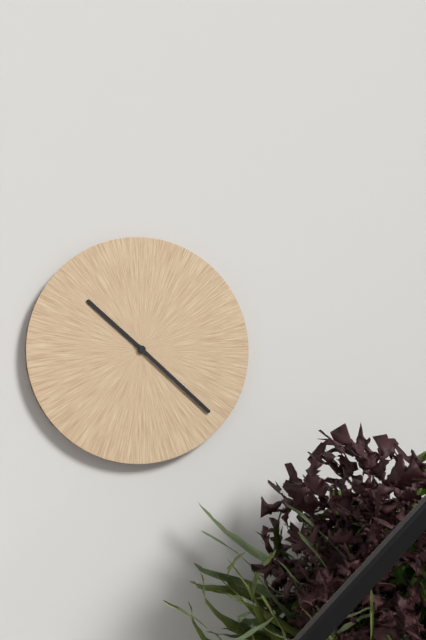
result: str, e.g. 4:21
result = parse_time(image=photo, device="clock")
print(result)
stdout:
10:22
